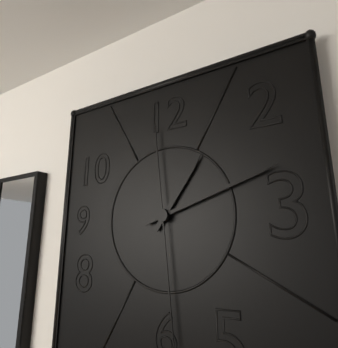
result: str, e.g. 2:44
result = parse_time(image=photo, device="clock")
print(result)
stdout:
1:12
